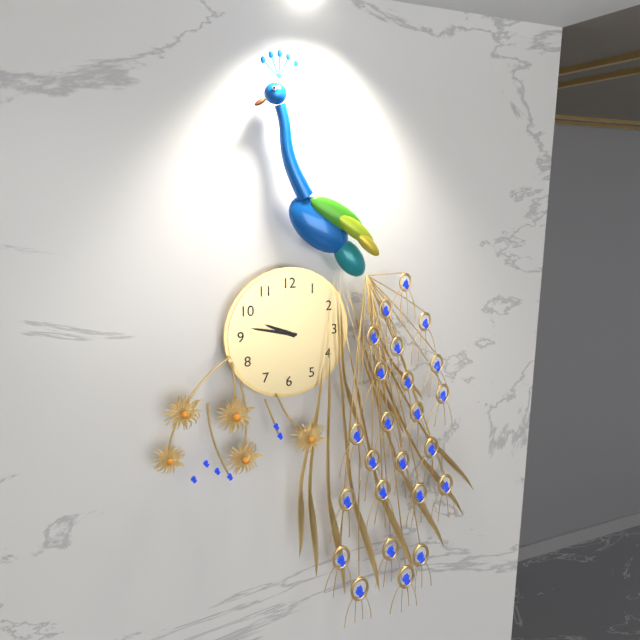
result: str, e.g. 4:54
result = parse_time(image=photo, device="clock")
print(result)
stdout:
9:47
